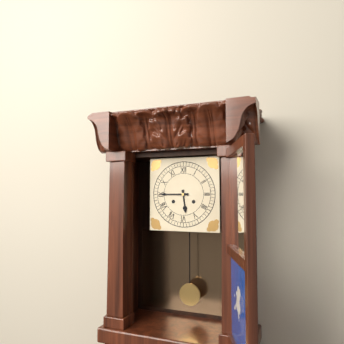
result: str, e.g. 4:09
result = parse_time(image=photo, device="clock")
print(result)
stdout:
5:45
